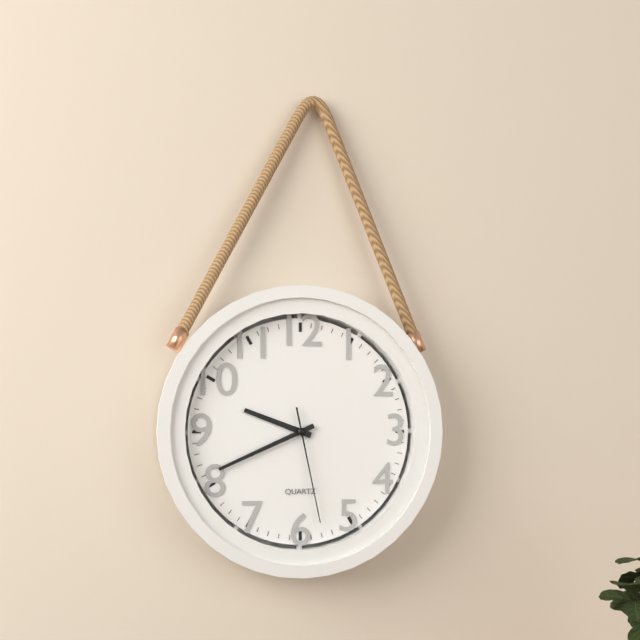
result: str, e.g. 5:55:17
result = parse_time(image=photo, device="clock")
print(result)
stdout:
9:41:28
